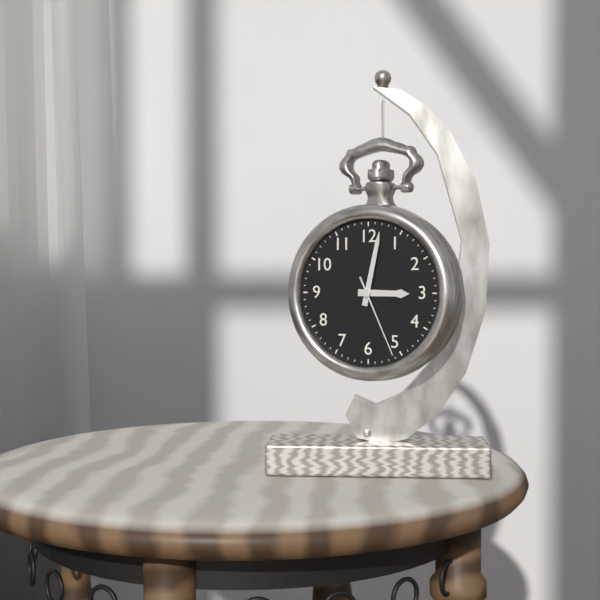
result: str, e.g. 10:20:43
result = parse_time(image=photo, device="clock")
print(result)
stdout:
3:02:26
